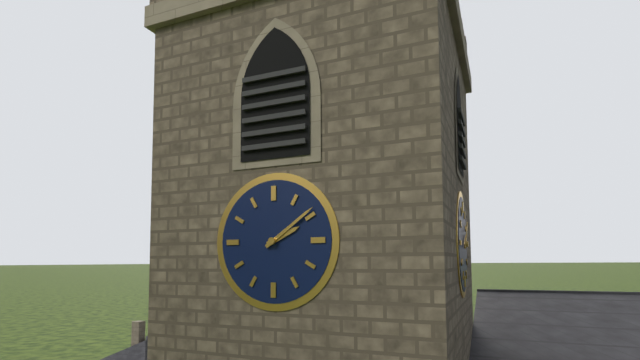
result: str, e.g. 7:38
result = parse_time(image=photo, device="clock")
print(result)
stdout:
2:09
